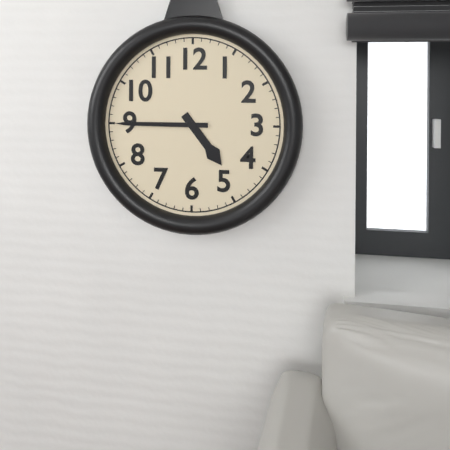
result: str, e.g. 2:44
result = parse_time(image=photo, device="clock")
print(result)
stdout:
4:45
